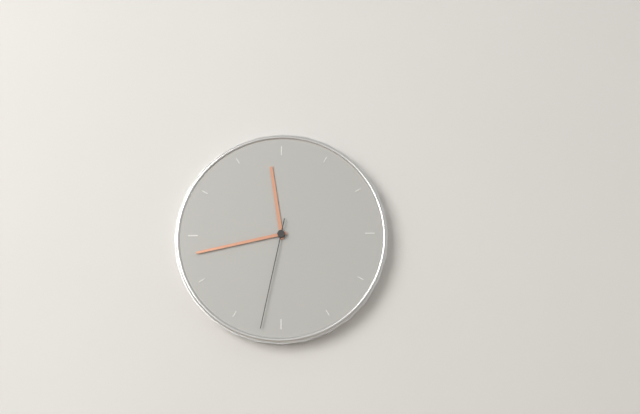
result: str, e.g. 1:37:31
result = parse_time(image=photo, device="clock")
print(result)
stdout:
11:43:32
